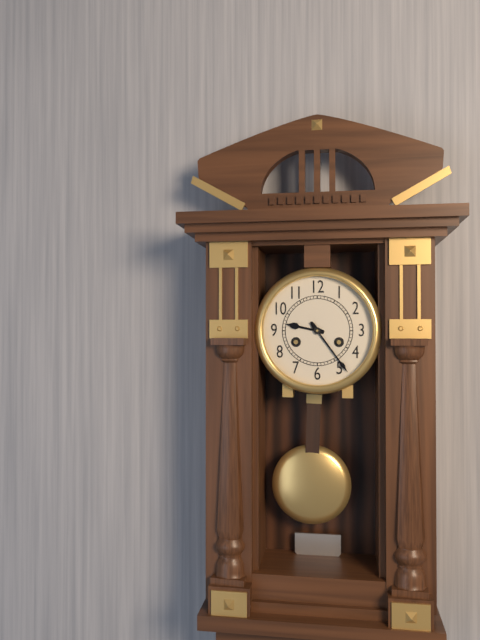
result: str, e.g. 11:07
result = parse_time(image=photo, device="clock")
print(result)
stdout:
9:24
